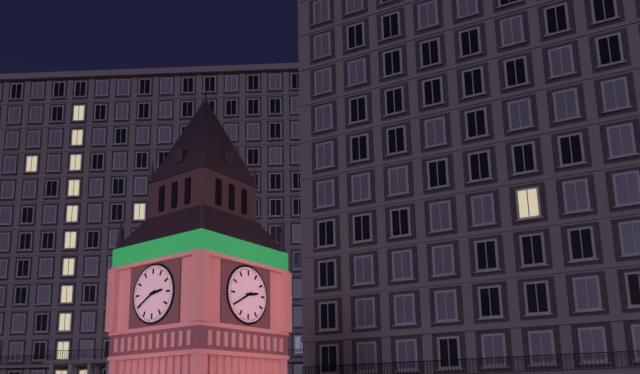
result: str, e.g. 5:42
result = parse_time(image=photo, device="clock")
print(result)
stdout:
2:40
